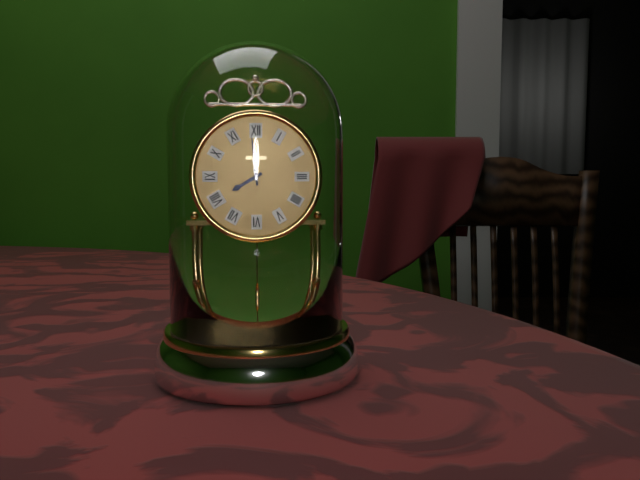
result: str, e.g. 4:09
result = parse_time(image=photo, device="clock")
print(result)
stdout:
7:59
